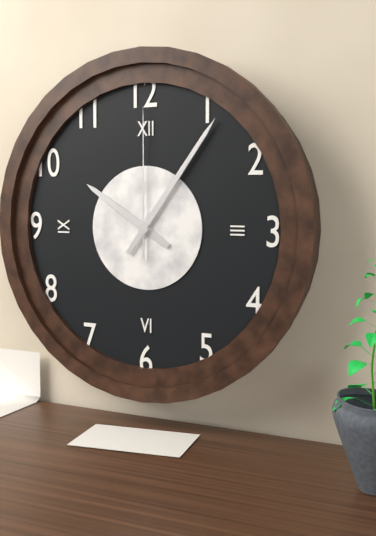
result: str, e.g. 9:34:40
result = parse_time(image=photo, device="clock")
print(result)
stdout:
10:06:00
